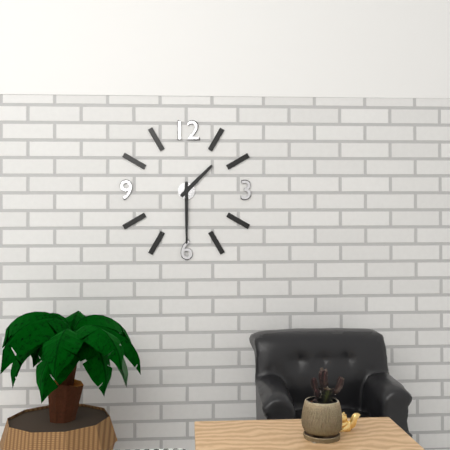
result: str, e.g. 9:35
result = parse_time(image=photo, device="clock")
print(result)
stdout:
1:30
